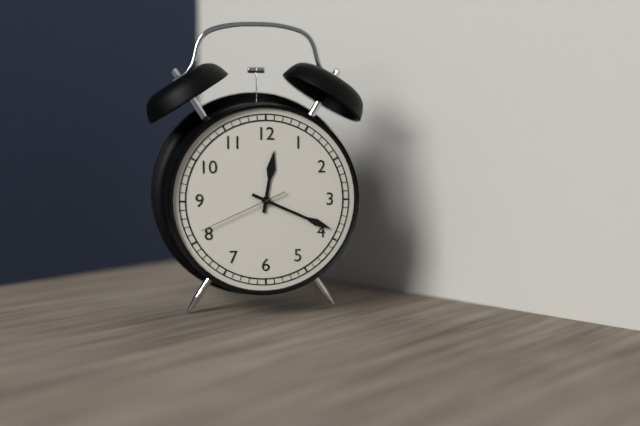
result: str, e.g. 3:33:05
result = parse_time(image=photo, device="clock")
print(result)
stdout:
12:19:41
